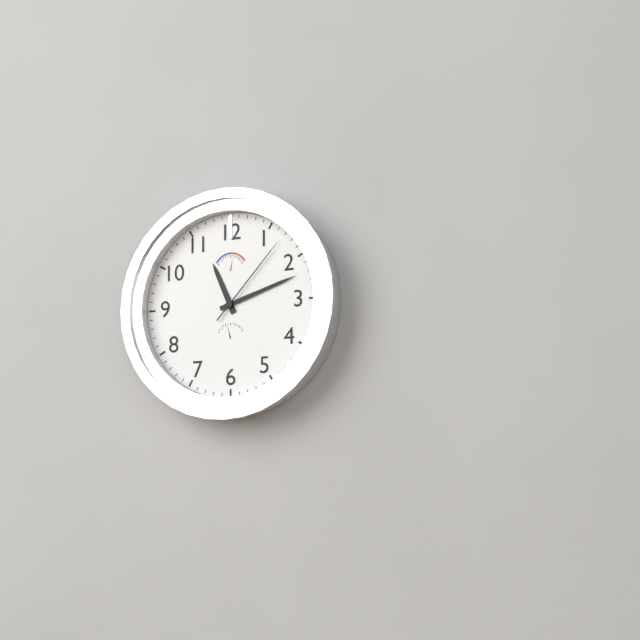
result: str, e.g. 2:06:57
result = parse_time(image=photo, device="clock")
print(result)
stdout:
11:12:07
